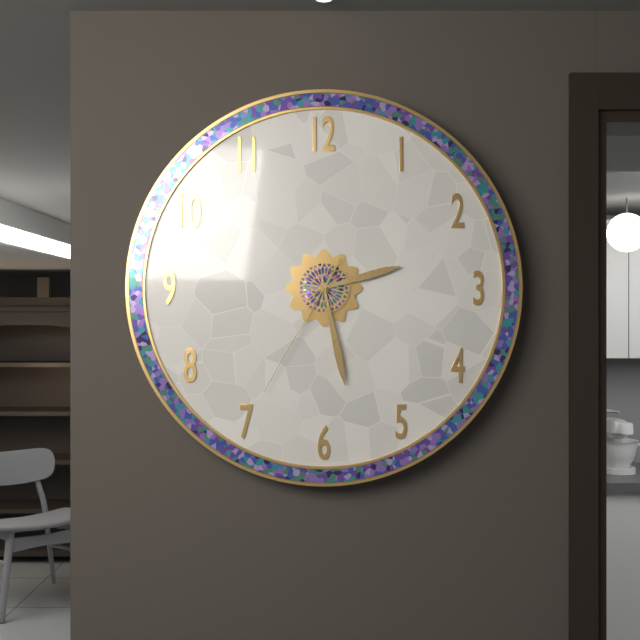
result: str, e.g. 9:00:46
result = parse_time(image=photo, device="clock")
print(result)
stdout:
2:28:35
